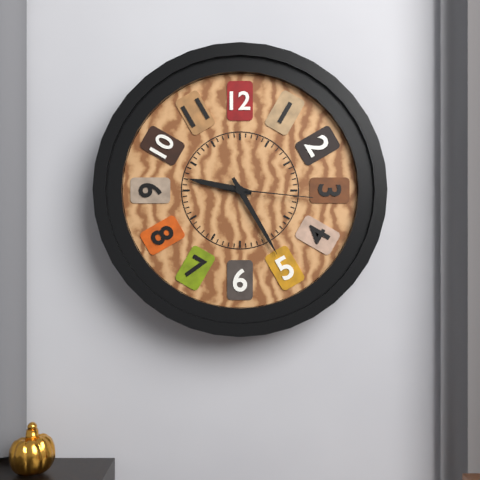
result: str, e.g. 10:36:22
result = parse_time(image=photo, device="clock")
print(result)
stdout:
9:25:16
